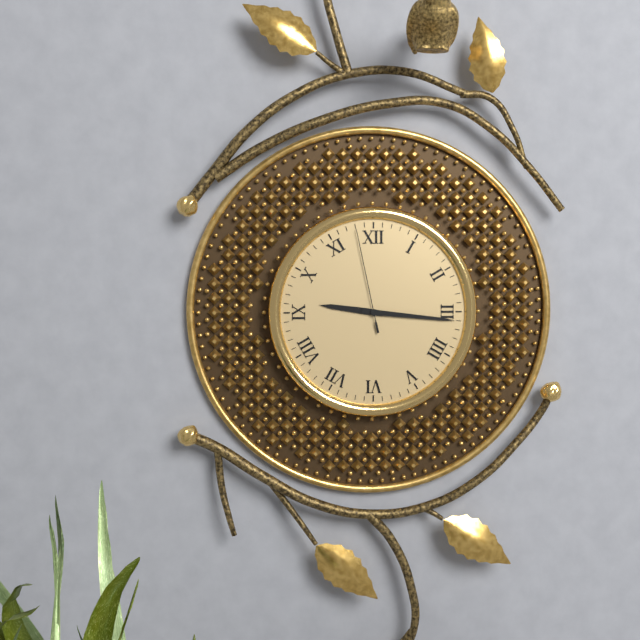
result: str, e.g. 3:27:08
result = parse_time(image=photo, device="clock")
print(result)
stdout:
9:16:58
